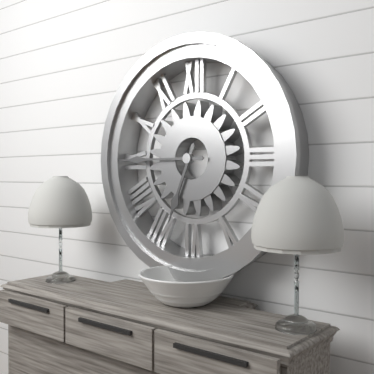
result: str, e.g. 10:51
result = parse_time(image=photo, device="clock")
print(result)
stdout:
6:45
